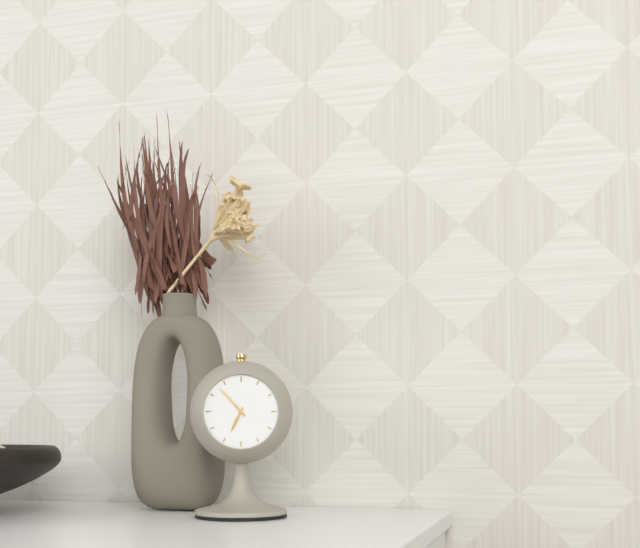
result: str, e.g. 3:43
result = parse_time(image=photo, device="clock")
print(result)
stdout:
6:53
